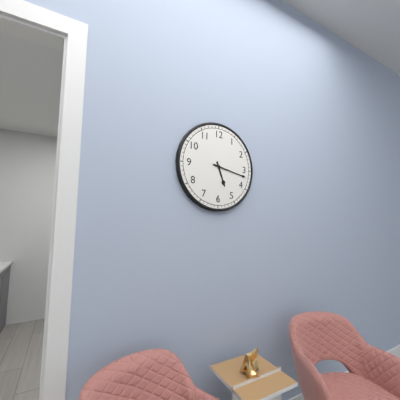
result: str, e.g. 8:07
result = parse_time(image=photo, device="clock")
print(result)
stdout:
5:17
